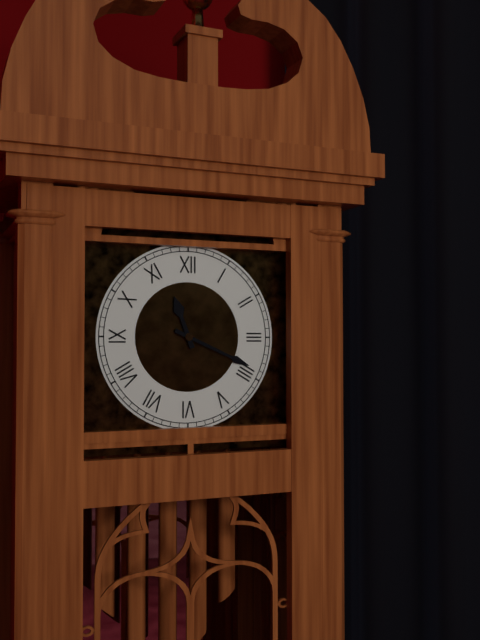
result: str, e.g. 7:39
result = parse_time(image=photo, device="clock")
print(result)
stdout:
11:19
